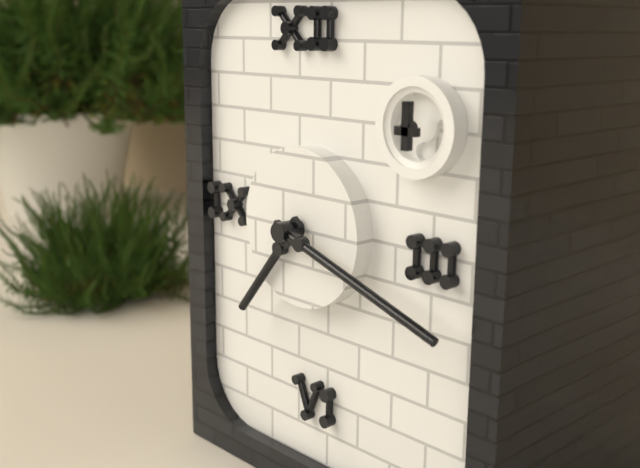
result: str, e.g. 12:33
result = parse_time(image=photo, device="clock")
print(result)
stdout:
7:18
